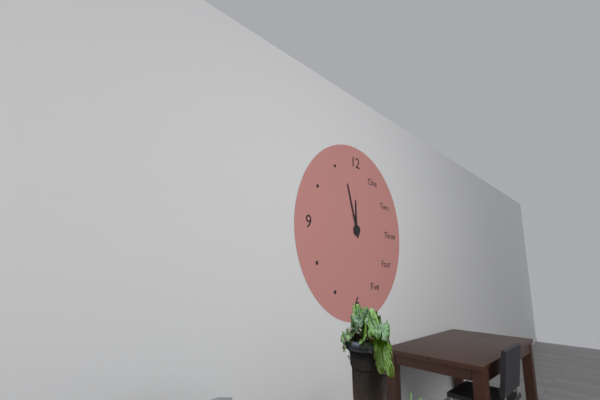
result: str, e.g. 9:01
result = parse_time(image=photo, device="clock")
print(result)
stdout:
11:57
